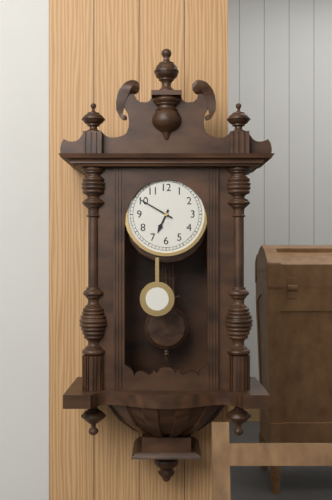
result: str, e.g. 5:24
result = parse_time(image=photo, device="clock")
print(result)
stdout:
6:50
